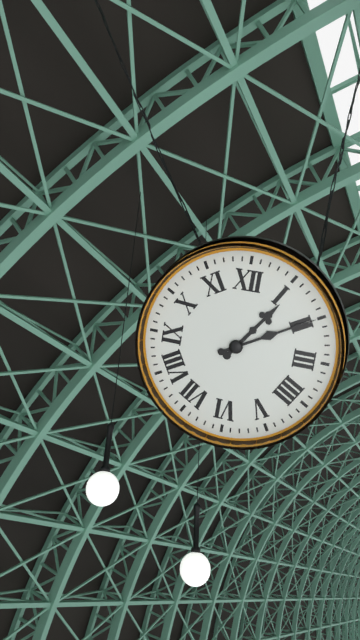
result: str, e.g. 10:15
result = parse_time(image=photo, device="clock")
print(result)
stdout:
1:10
